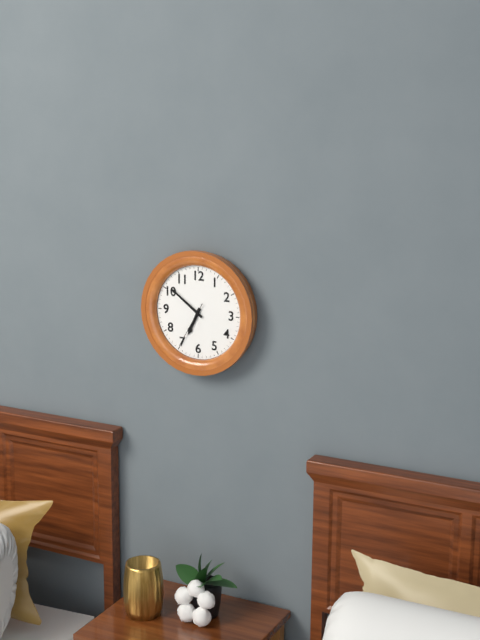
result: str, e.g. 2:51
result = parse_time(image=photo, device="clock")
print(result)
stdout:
6:51
